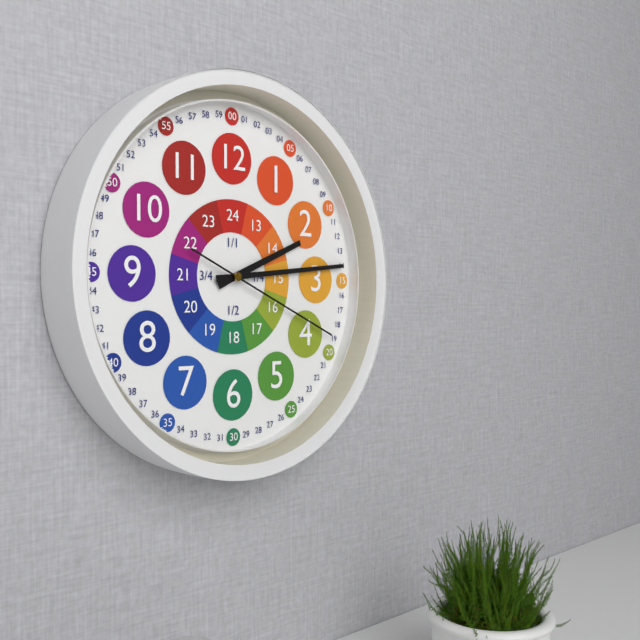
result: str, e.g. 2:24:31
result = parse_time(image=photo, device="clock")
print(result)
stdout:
2:14:19
